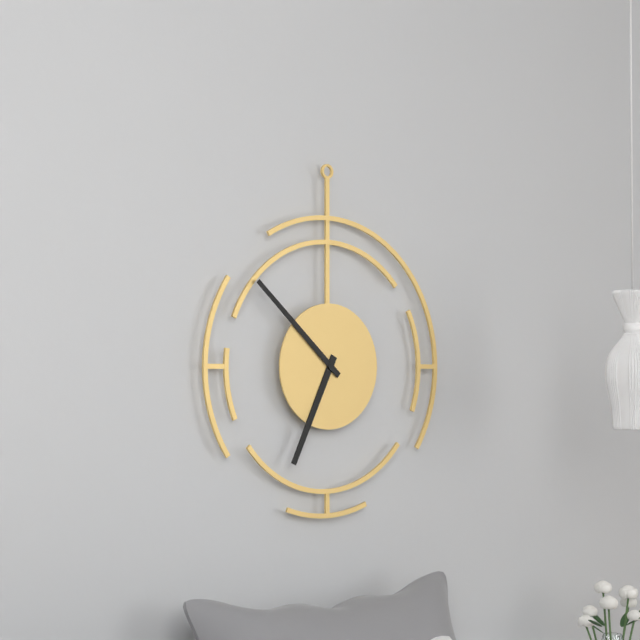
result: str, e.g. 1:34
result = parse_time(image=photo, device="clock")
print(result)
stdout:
6:52
